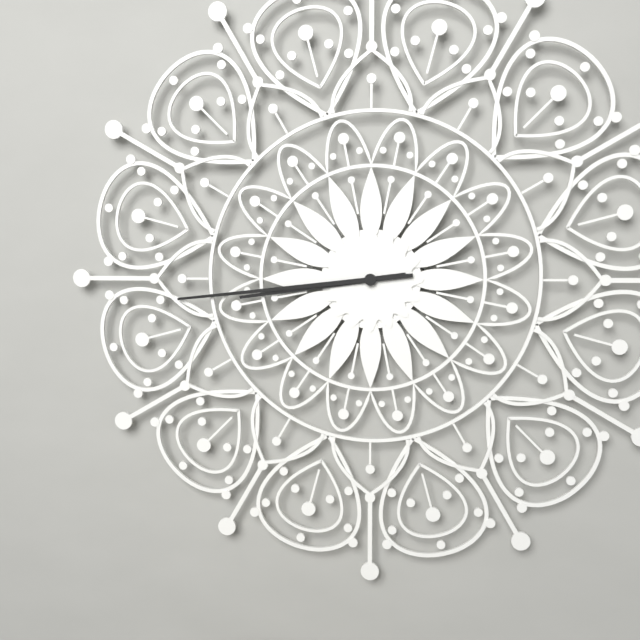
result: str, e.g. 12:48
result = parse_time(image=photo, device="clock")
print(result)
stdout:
8:44
